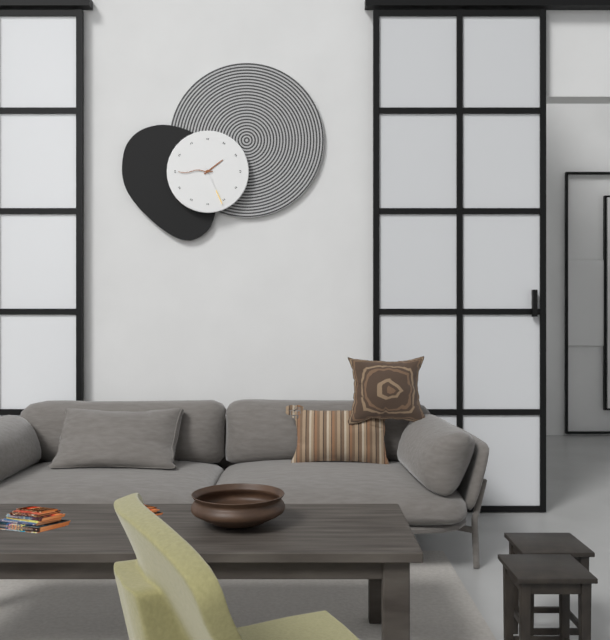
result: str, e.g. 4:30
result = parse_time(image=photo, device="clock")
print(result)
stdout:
1:45
